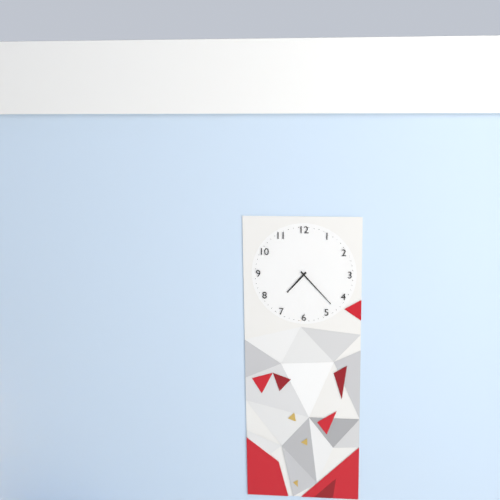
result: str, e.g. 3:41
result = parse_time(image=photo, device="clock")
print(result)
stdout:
7:23
